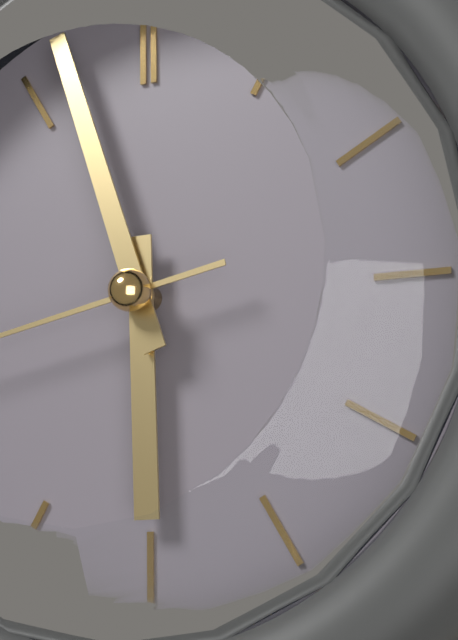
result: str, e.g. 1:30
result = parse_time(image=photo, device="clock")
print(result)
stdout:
5:57
